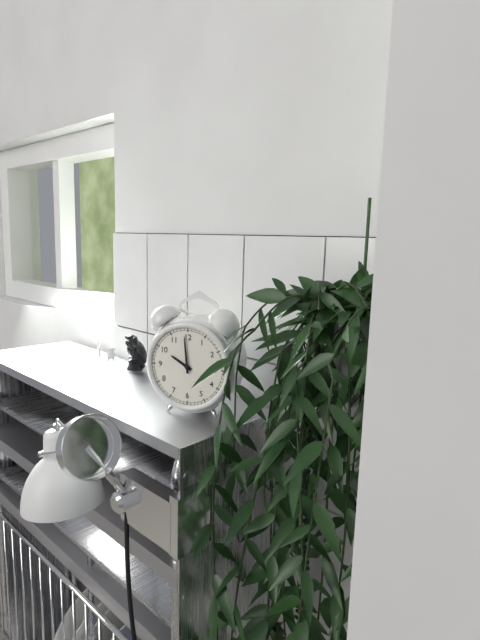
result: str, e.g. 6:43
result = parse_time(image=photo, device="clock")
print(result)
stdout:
9:59
